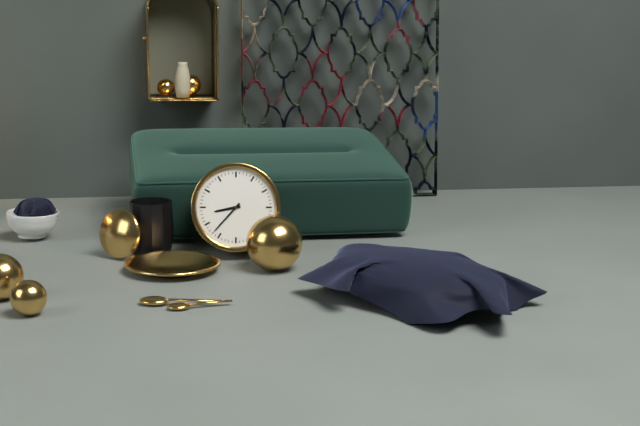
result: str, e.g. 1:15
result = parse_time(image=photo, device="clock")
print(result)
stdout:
8:37
